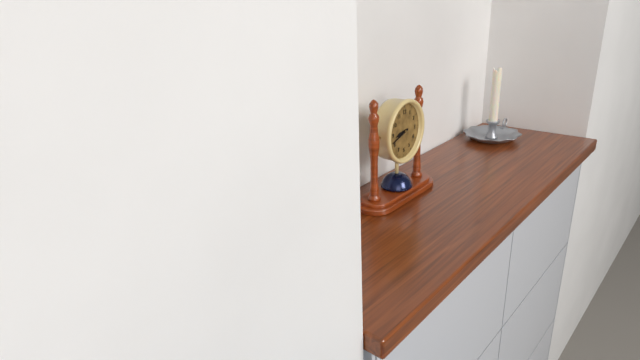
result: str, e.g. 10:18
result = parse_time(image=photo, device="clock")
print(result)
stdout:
8:42
